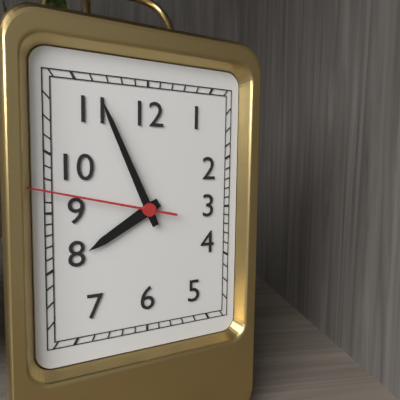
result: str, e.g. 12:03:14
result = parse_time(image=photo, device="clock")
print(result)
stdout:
7:56:47
